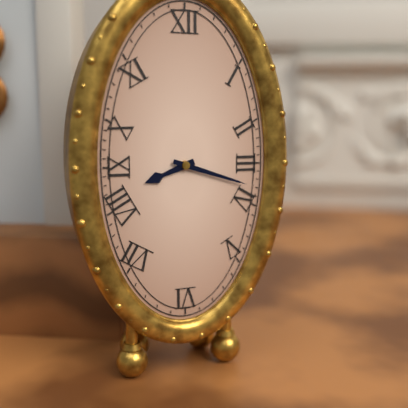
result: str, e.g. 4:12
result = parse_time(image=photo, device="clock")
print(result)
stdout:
8:18
